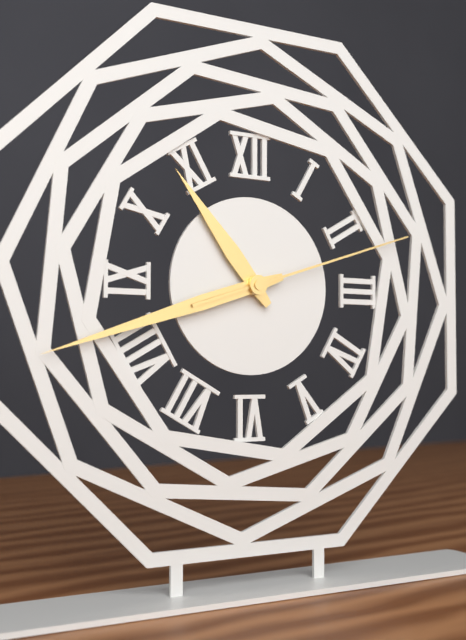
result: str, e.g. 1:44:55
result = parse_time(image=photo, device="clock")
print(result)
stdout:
10:42:12
